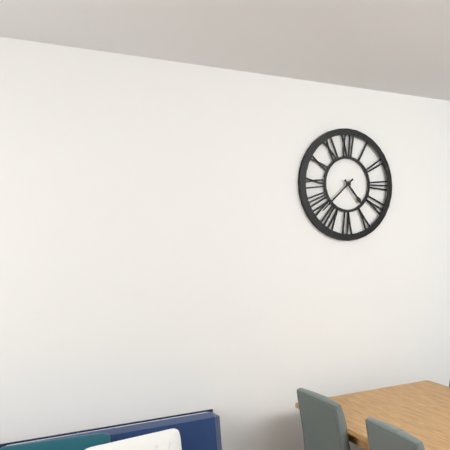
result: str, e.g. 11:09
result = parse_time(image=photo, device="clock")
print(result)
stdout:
4:38
